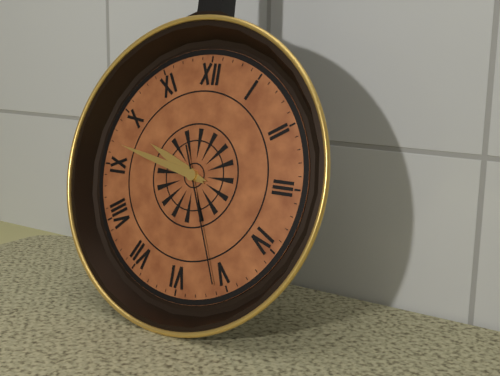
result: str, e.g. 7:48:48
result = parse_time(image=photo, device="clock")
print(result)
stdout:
9:47:26
